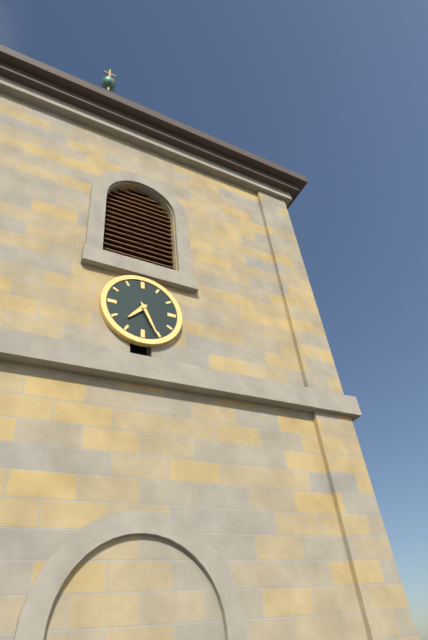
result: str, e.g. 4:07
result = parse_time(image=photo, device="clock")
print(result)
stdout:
7:26
